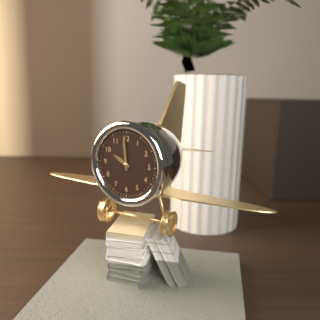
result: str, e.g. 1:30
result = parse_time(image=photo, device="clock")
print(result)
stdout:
9:59
